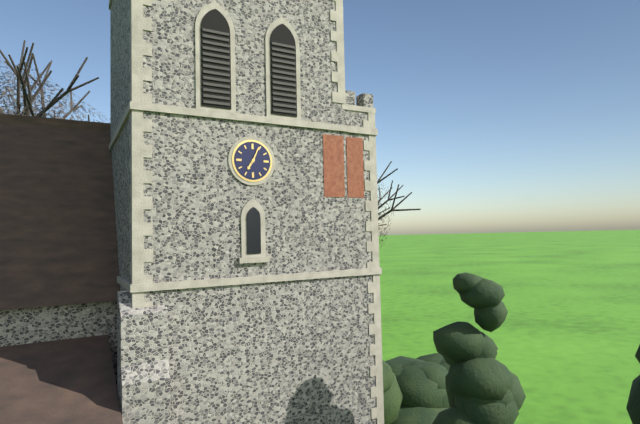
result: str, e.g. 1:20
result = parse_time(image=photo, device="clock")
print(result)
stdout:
7:04
